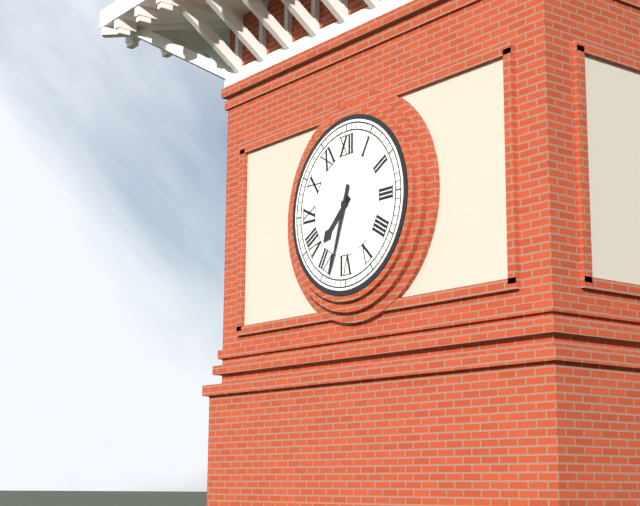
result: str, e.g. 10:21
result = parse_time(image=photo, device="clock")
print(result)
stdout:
7:33
